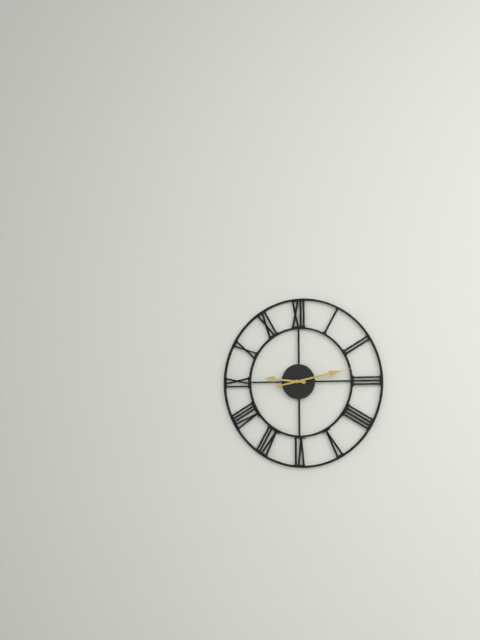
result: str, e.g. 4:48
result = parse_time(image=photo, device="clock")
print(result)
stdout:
9:13
